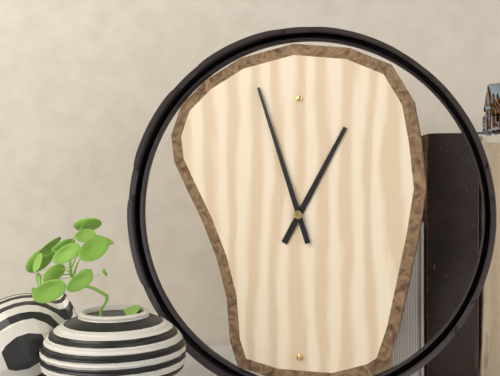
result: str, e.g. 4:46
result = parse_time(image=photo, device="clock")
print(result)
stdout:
12:57
